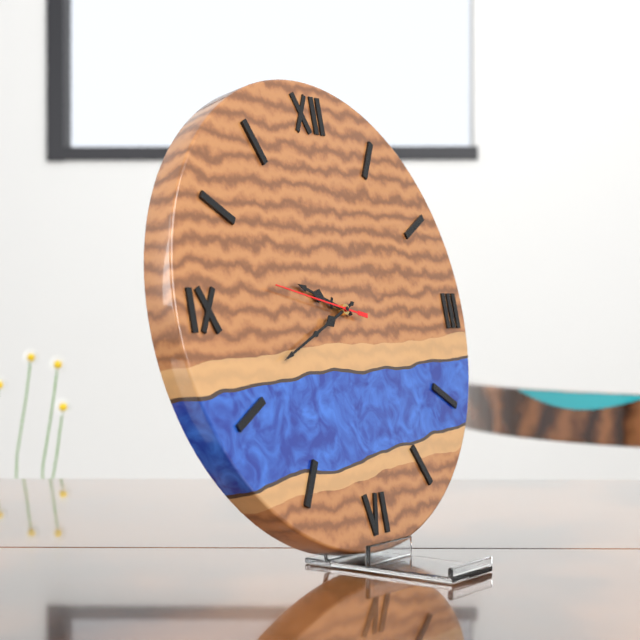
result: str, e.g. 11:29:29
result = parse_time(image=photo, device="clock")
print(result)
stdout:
9:41:47
